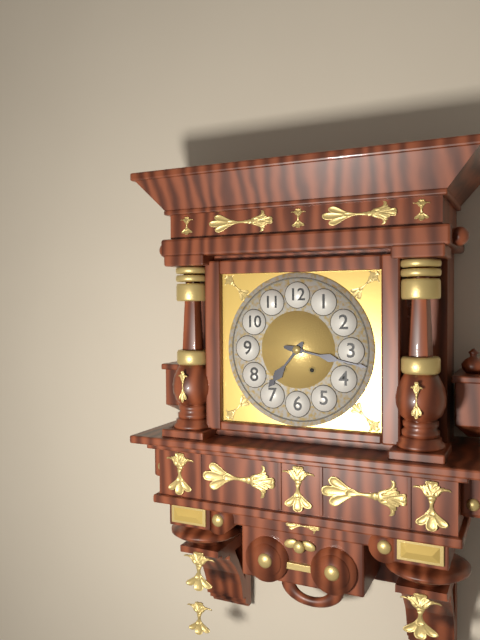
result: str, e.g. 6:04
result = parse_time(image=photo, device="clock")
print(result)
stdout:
7:17
